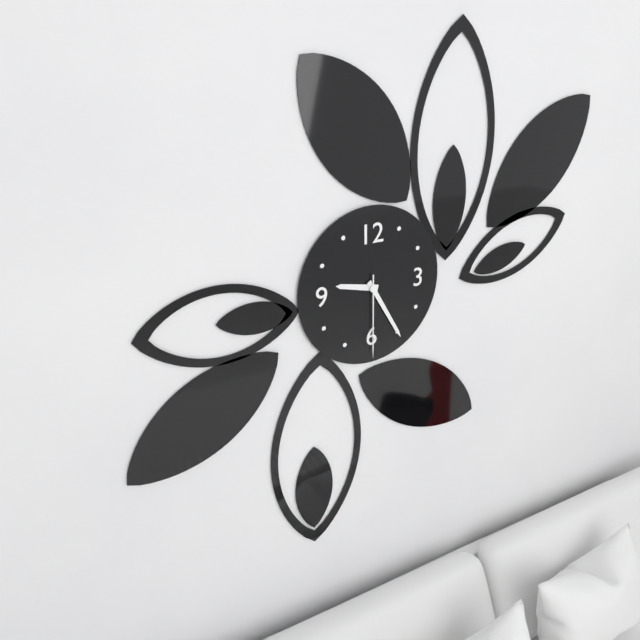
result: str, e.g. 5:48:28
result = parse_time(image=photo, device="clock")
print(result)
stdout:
9:25:30
